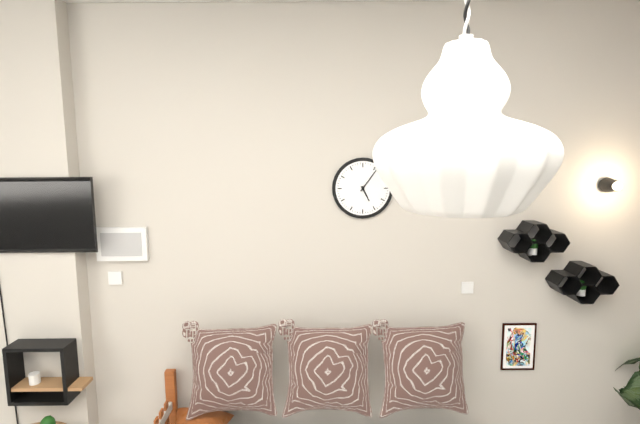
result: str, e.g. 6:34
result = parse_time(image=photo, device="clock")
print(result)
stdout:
5:06
